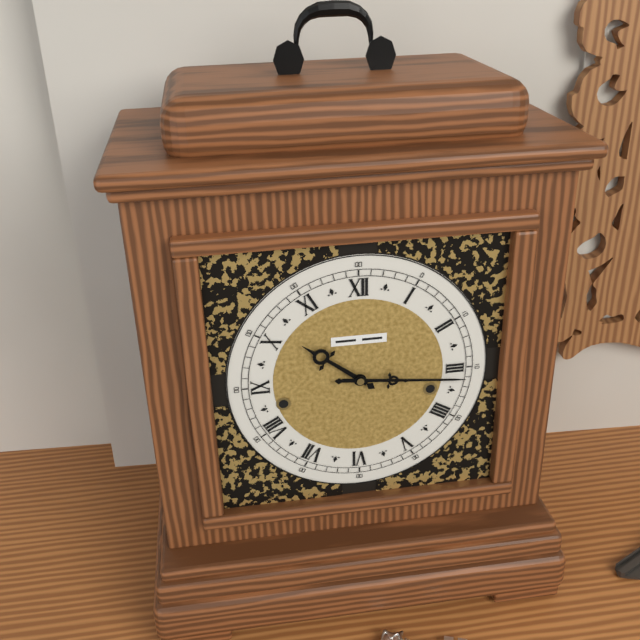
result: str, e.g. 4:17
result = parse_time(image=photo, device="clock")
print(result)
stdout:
10:16
